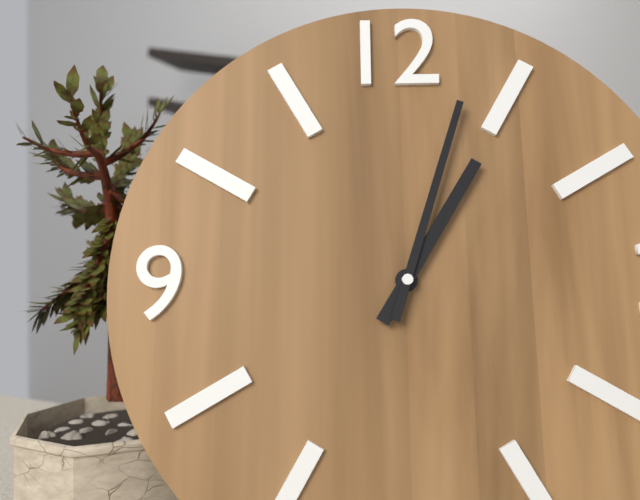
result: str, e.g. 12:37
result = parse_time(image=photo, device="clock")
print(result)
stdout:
1:03
